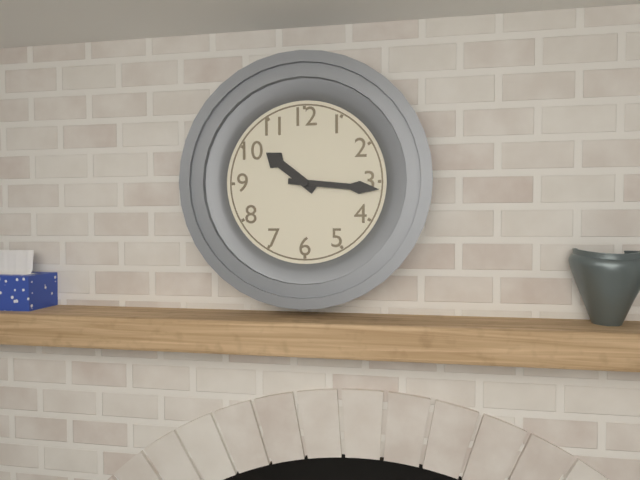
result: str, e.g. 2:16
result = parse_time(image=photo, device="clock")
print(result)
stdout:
10:16
